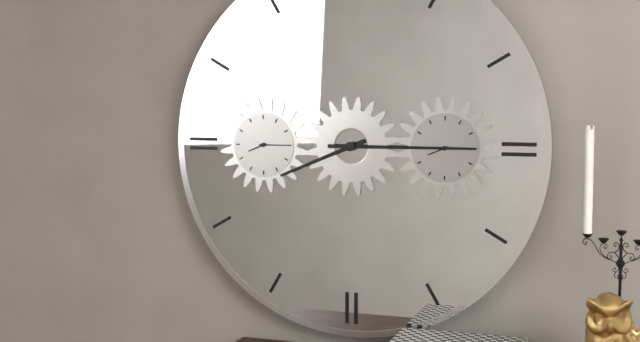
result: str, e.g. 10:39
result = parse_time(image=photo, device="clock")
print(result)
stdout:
8:15
